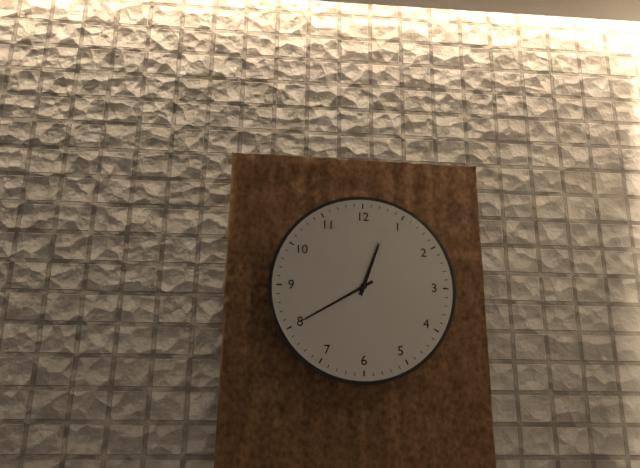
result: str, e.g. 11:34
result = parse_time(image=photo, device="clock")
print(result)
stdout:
12:40
